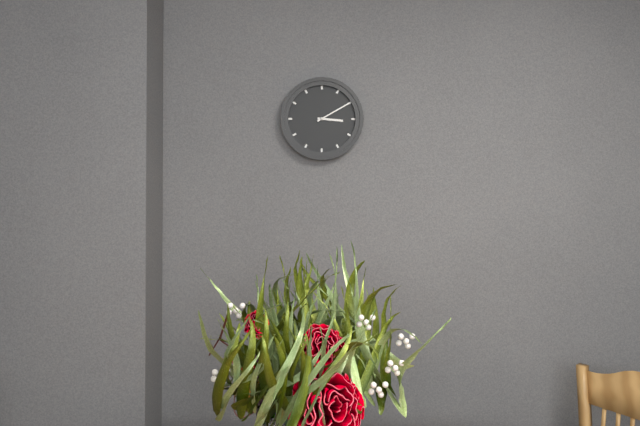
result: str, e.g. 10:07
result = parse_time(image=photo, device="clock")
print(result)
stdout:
3:10
